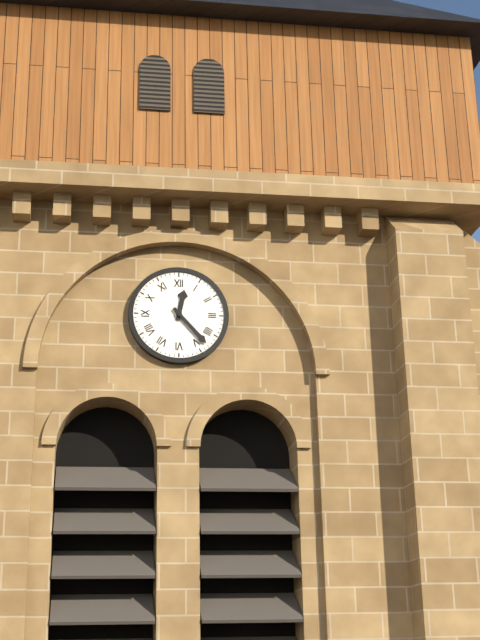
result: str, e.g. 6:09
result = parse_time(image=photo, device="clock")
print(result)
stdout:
12:23
